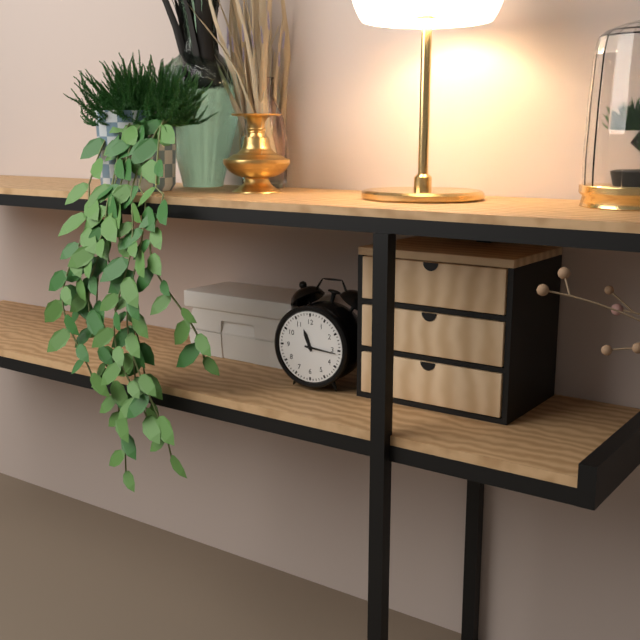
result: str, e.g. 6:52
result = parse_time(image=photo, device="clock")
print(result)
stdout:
11:16
